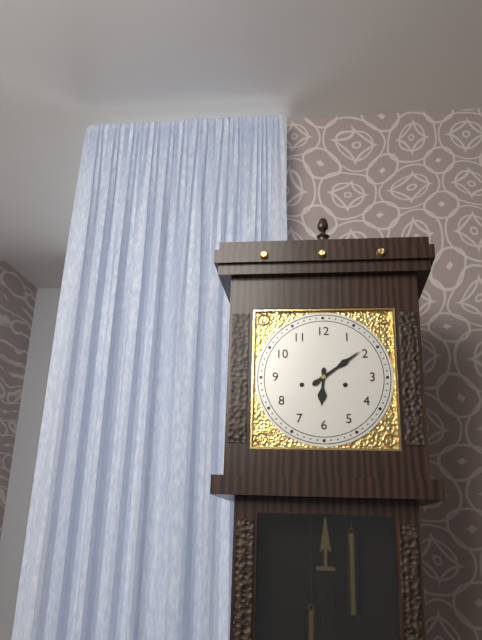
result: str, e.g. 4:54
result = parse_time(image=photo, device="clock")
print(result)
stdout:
6:09
